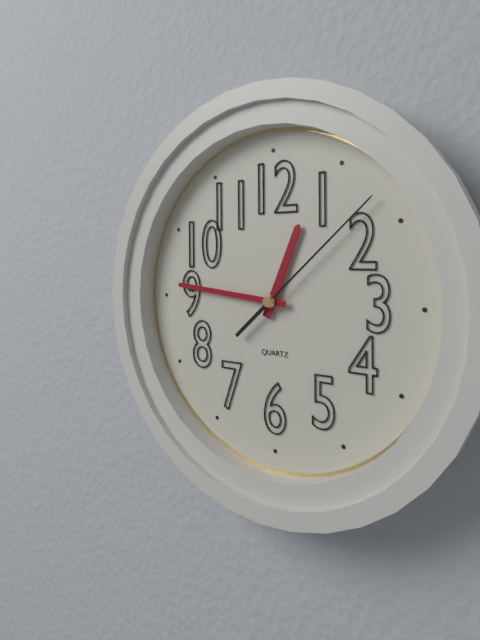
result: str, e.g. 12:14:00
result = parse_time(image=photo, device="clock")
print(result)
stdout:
12:46:08
